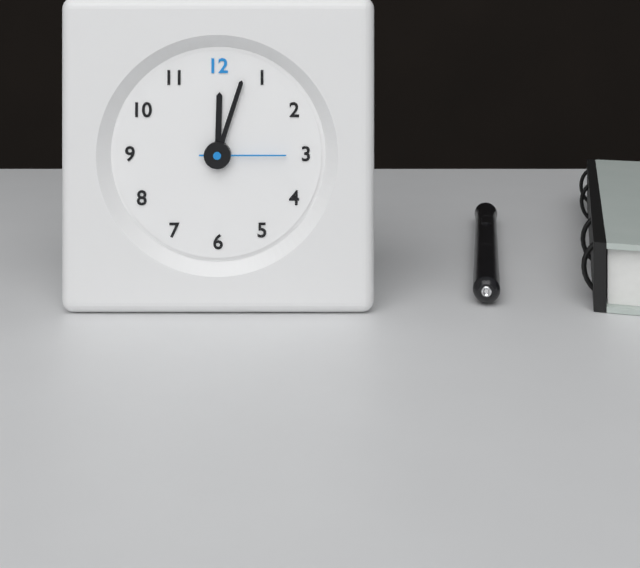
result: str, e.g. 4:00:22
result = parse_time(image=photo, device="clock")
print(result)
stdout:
12:03:15
